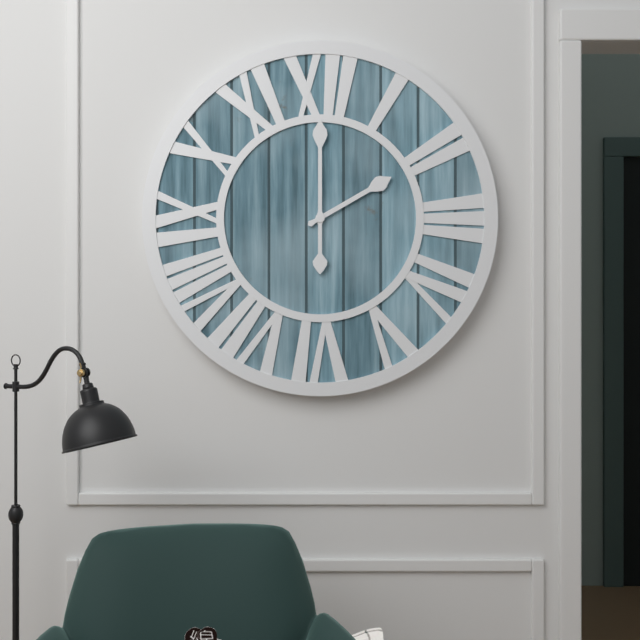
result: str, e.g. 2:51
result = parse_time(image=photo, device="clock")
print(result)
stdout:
2:00
